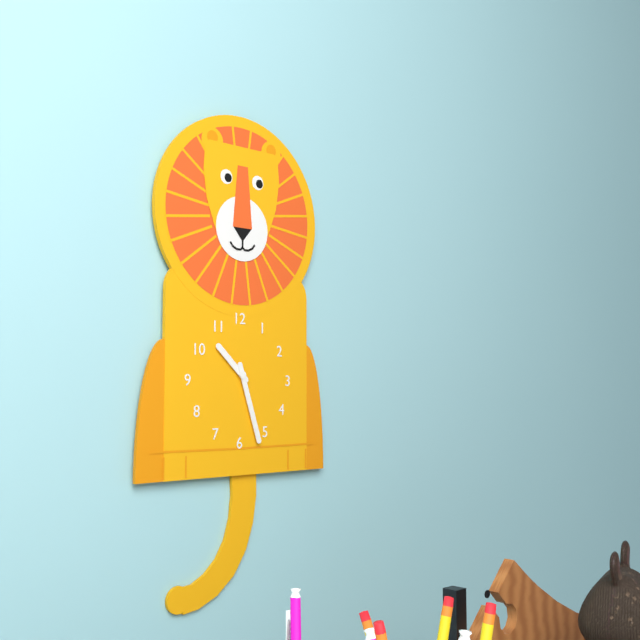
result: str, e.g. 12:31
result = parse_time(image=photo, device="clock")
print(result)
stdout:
10:27
